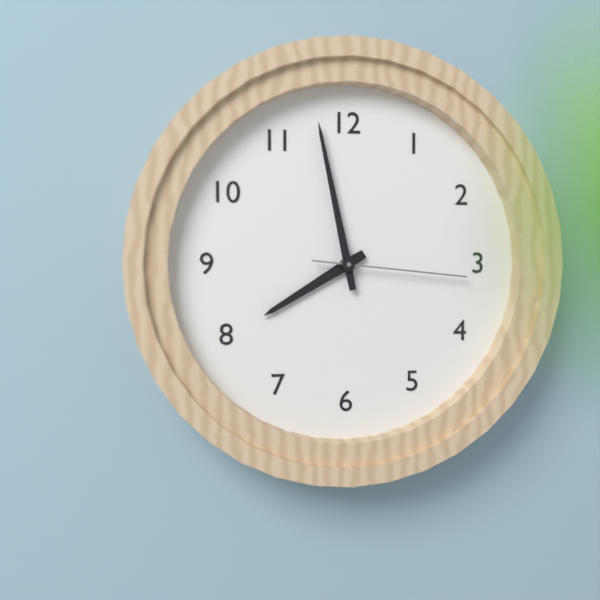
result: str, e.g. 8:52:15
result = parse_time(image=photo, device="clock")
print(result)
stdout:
7:58:16
